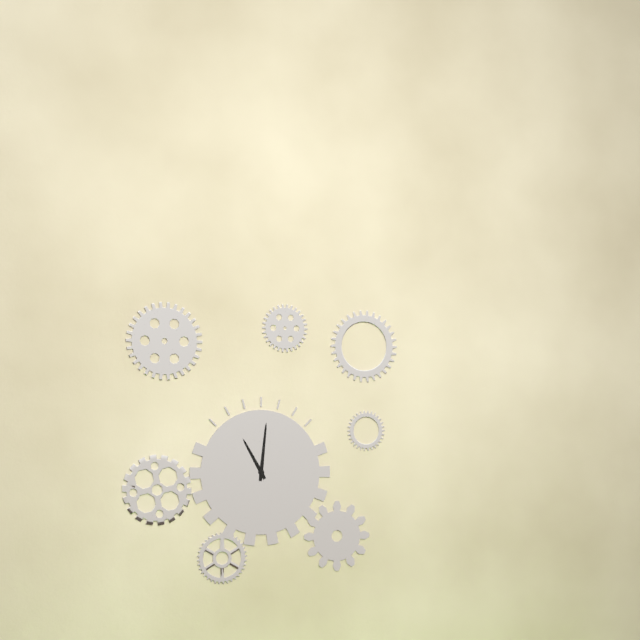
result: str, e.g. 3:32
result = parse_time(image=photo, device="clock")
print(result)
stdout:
11:01
